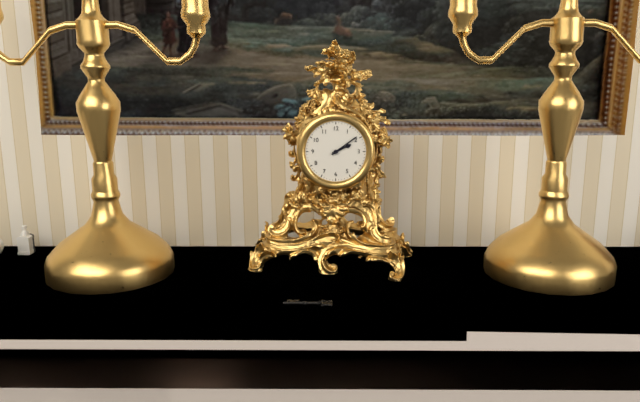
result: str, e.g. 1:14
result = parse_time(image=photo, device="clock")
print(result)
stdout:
2:09
